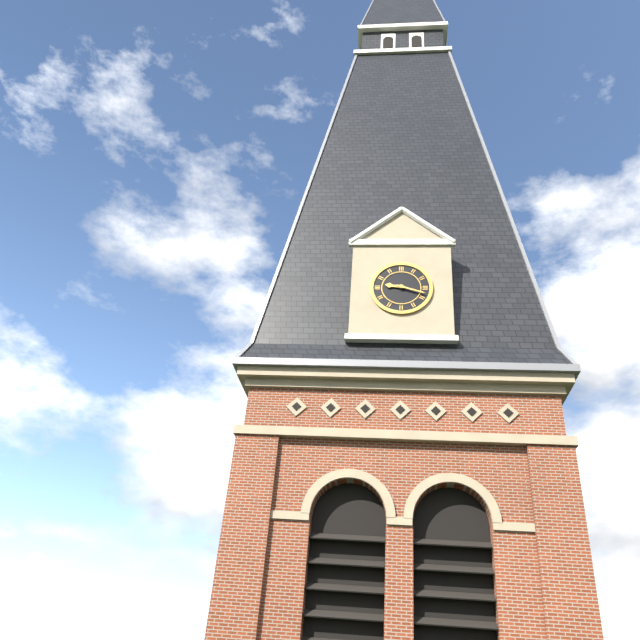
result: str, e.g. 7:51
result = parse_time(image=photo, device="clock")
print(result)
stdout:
9:18
